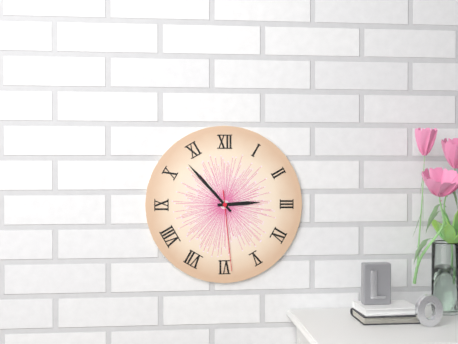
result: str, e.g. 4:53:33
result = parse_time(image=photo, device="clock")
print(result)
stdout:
2:53:29
